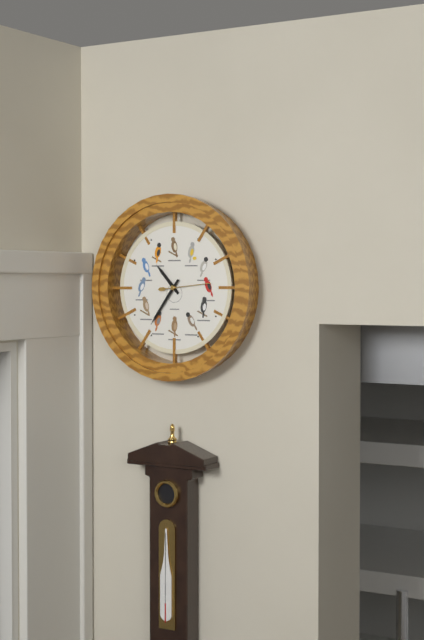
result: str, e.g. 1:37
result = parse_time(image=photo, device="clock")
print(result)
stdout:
10:36
